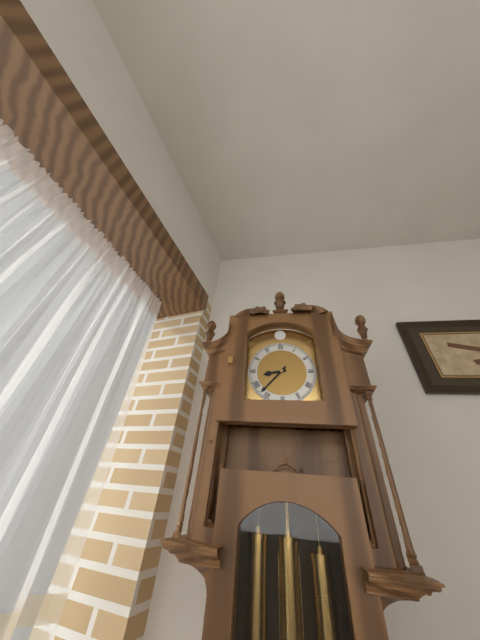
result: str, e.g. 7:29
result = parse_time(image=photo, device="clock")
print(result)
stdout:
8:37
